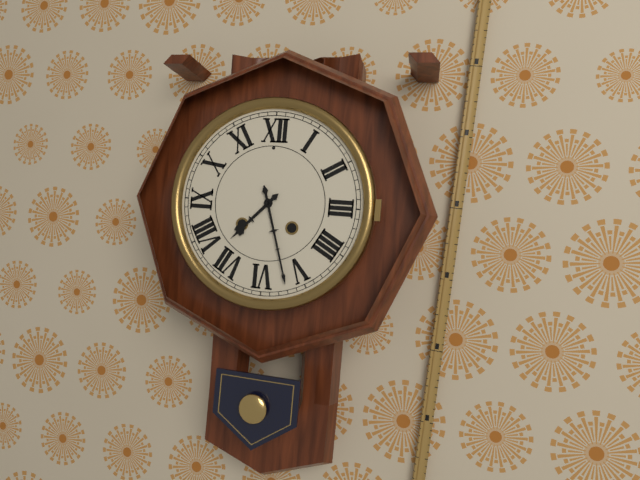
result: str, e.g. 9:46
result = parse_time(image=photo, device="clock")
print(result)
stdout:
7:27
